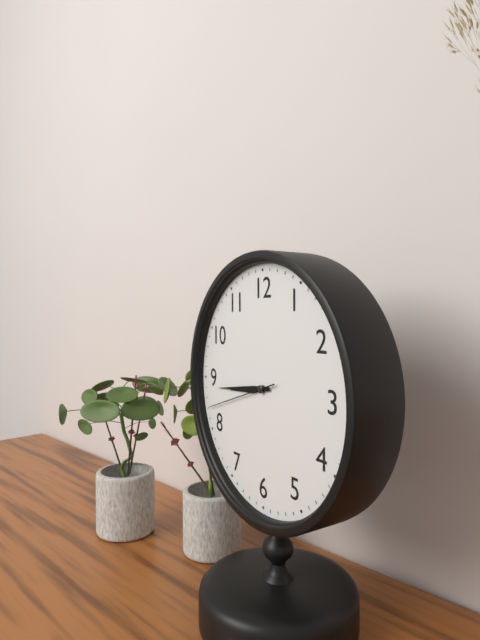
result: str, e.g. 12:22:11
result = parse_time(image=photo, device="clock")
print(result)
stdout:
8:44:42
